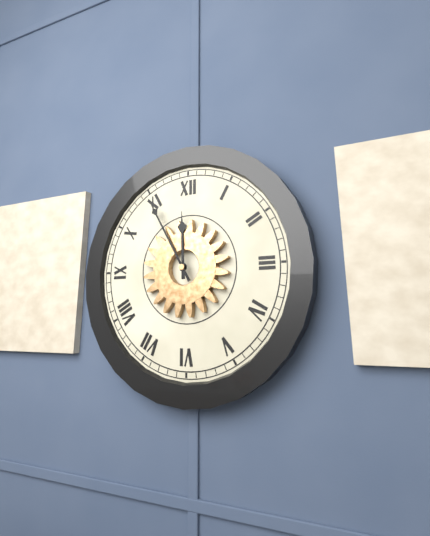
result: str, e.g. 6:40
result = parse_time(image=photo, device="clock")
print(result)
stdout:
11:55
